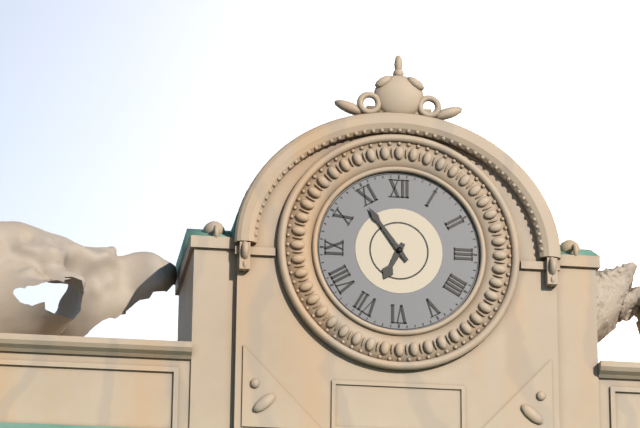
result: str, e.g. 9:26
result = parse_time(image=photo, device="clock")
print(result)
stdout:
6:54
